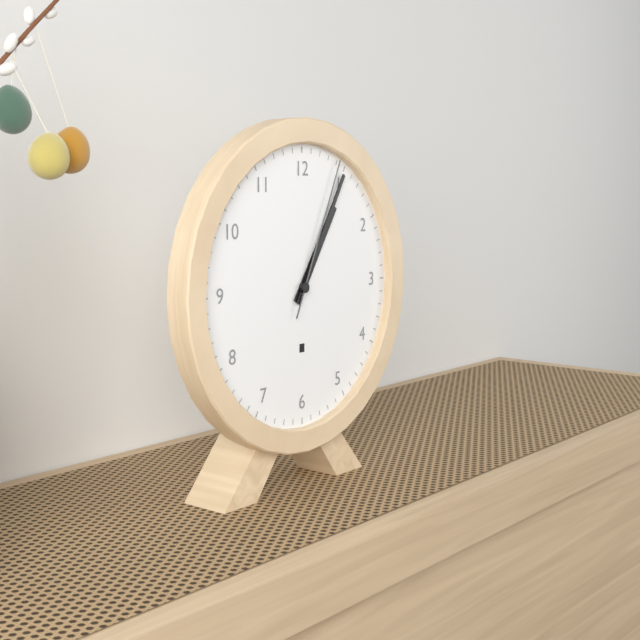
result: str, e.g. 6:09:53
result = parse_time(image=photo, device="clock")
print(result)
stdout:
1:05:04
